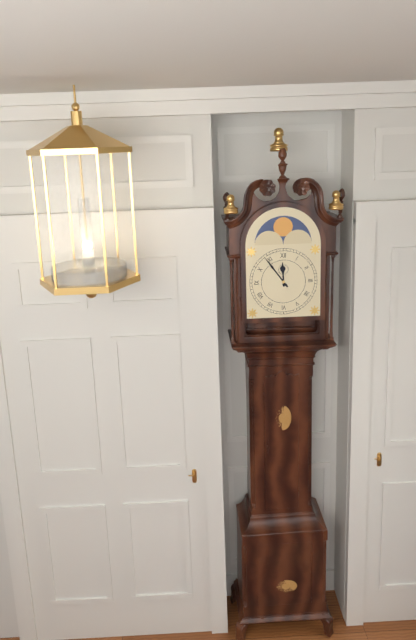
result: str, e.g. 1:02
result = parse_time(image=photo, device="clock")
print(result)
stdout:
11:54
